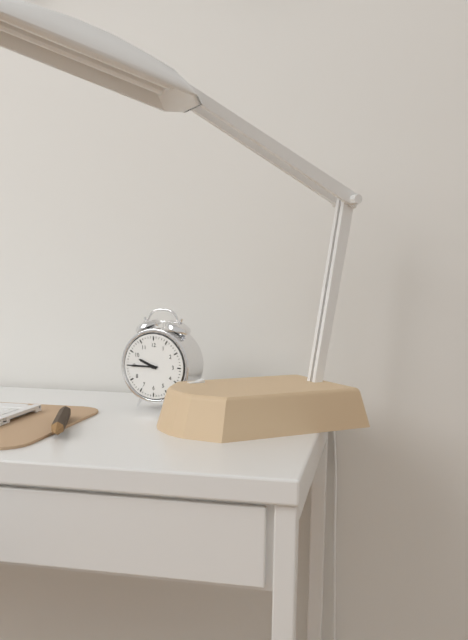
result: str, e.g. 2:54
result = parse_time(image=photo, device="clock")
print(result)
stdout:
9:45
